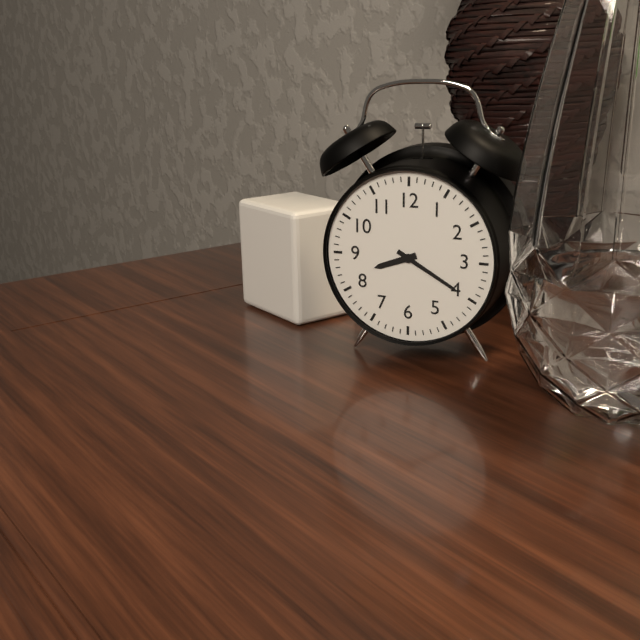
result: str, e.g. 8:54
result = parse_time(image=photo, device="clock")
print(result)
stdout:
8:20
